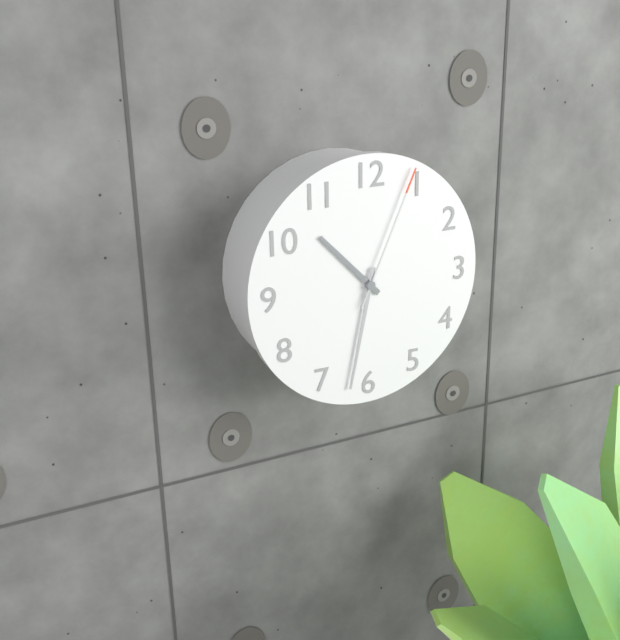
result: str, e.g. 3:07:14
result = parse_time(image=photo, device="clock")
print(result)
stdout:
10:32:04
